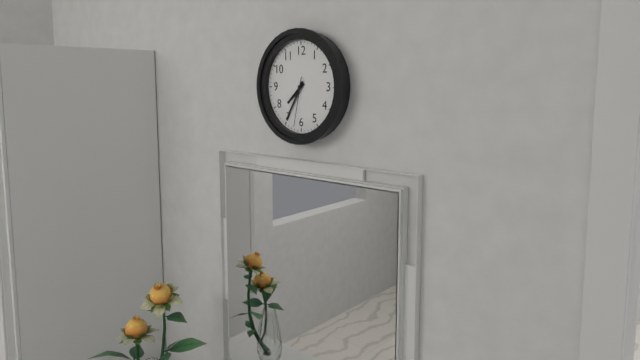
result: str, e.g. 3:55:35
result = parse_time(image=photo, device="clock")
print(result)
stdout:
7:35:32
